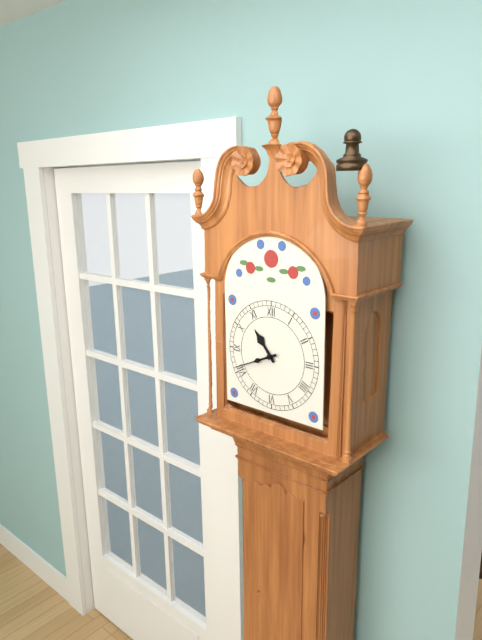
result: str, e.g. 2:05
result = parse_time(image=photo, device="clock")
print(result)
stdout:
10:41
